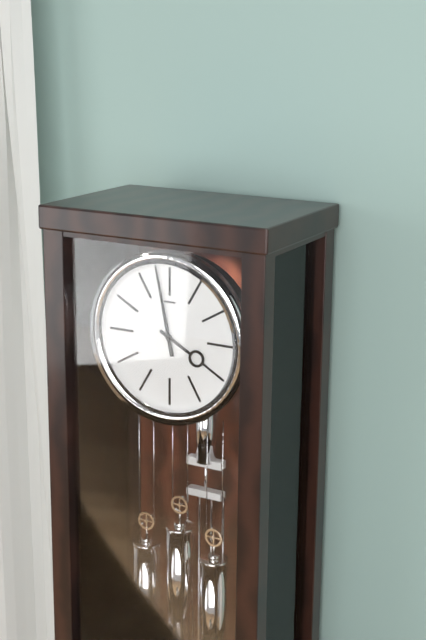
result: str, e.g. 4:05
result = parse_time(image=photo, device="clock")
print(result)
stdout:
3:58
